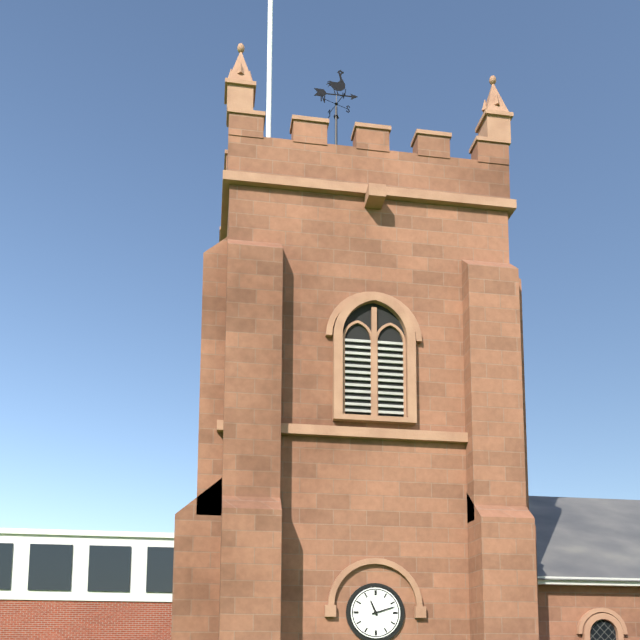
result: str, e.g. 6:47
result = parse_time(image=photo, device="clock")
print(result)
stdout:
11:12
